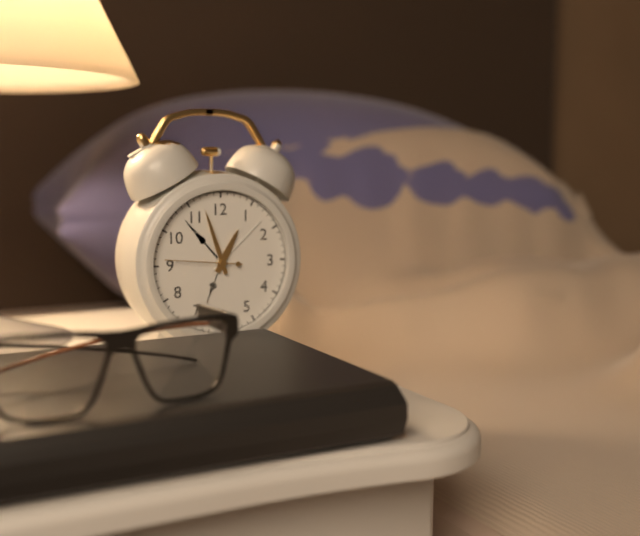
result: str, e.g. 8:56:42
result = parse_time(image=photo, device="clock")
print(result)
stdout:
12:57:46
